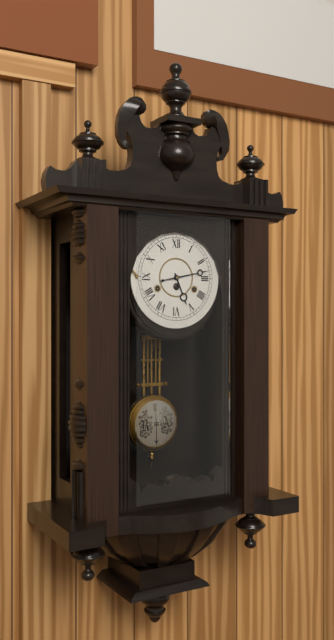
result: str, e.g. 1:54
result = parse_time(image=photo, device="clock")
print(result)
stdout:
5:13
